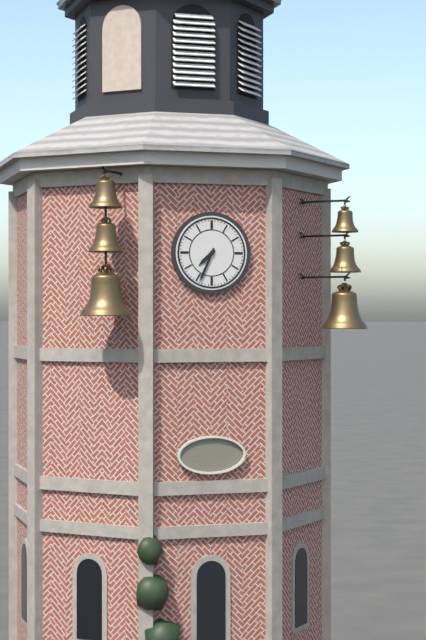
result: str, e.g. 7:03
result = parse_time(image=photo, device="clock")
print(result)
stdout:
7:34
